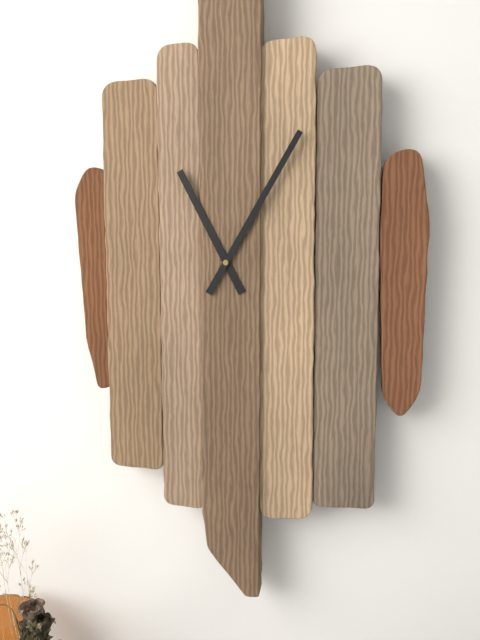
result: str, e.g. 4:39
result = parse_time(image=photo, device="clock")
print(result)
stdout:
11:05
